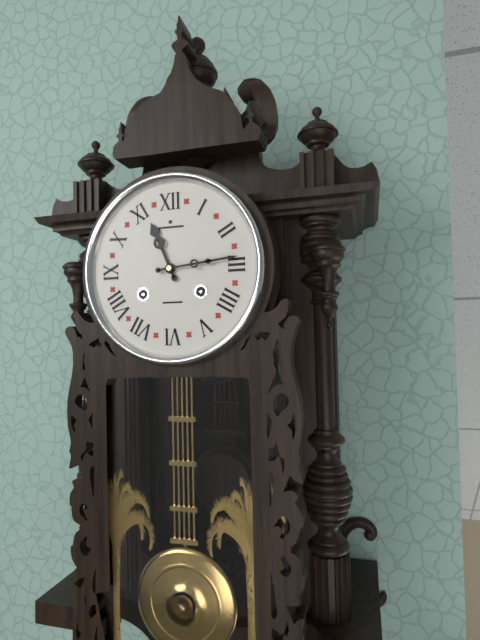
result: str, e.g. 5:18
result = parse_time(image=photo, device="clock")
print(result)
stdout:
11:14
